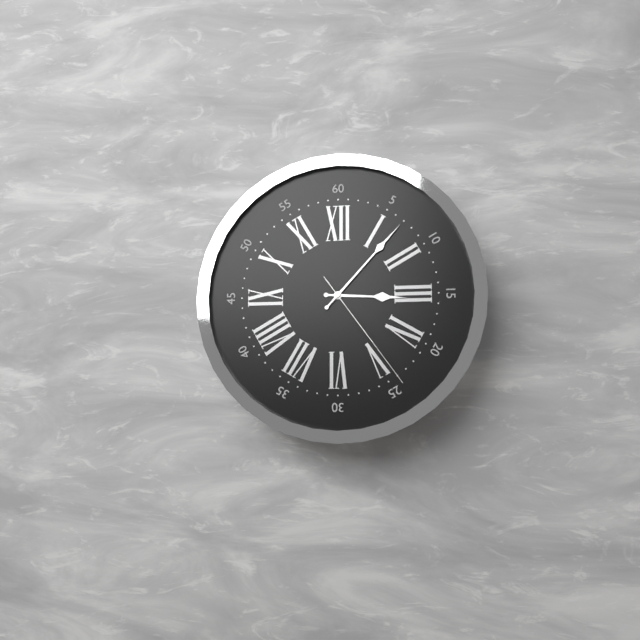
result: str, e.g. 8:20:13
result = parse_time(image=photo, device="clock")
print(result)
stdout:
3:07:24
